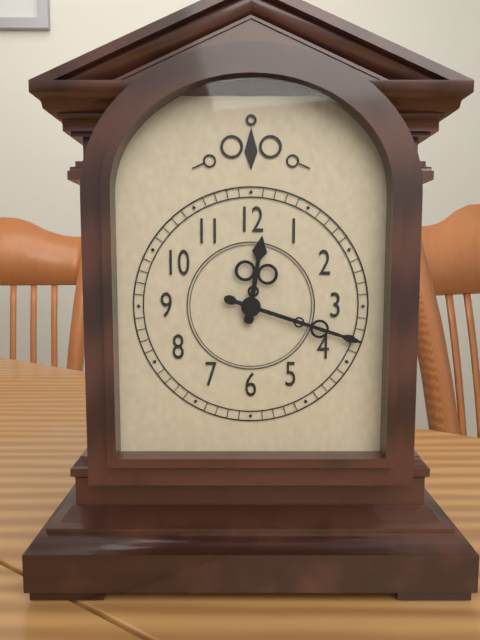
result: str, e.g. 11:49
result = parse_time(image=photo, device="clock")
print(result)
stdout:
12:18
